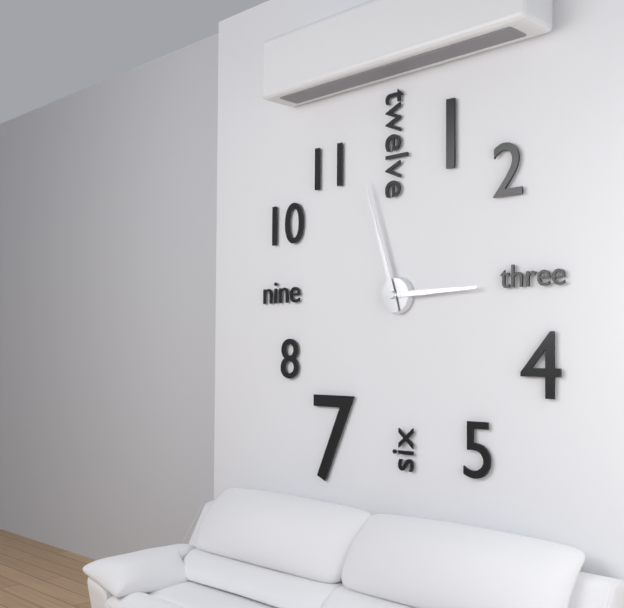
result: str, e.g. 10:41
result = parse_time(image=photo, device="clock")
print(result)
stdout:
2:57
